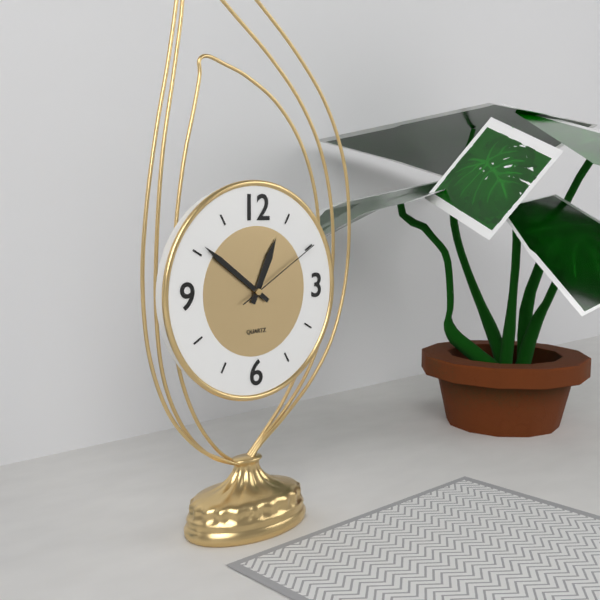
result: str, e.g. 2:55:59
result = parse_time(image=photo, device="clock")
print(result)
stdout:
12:51:10
